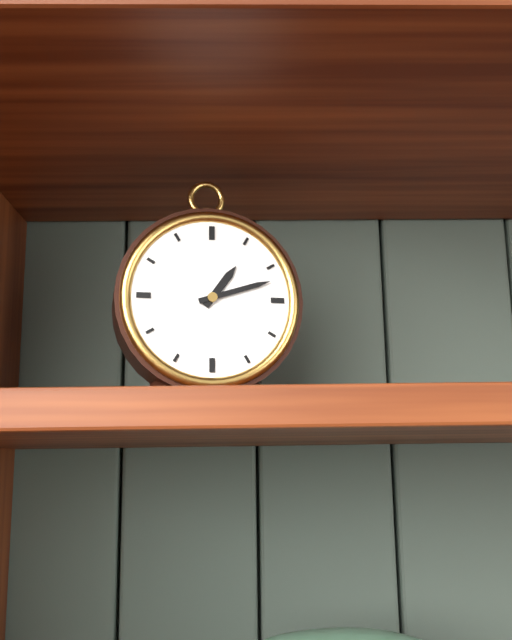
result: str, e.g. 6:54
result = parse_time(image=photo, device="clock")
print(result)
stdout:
1:12
